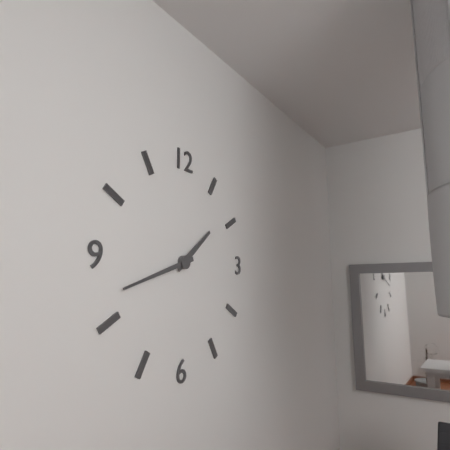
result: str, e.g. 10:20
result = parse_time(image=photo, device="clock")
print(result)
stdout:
1:42
